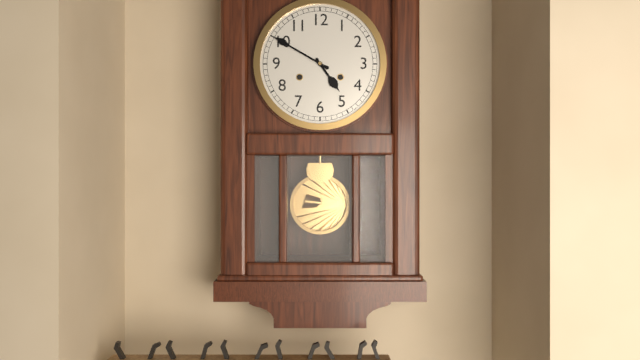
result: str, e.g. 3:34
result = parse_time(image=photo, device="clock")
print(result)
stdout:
4:50
